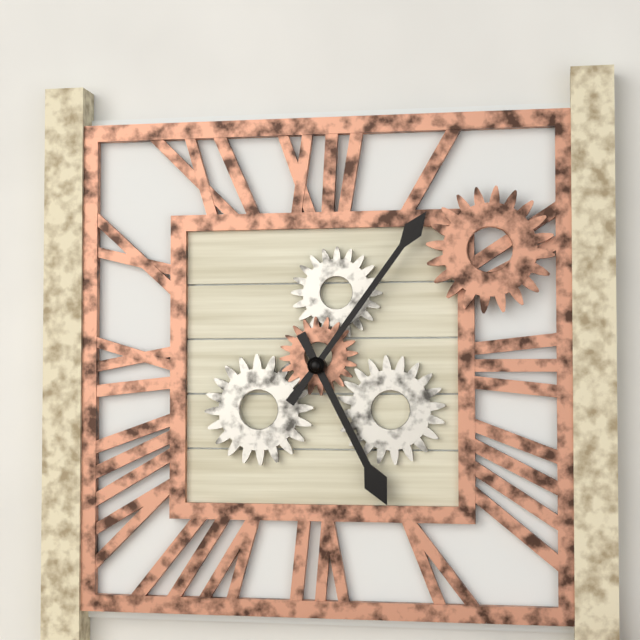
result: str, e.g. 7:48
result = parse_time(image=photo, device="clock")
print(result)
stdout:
5:06
